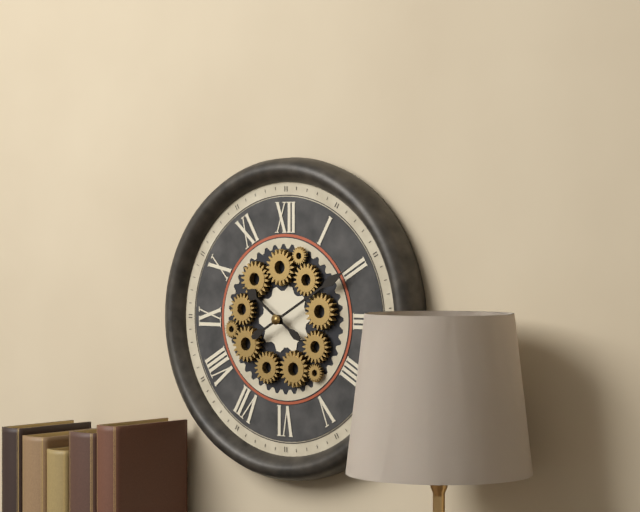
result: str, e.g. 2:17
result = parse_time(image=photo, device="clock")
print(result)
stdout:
10:10
